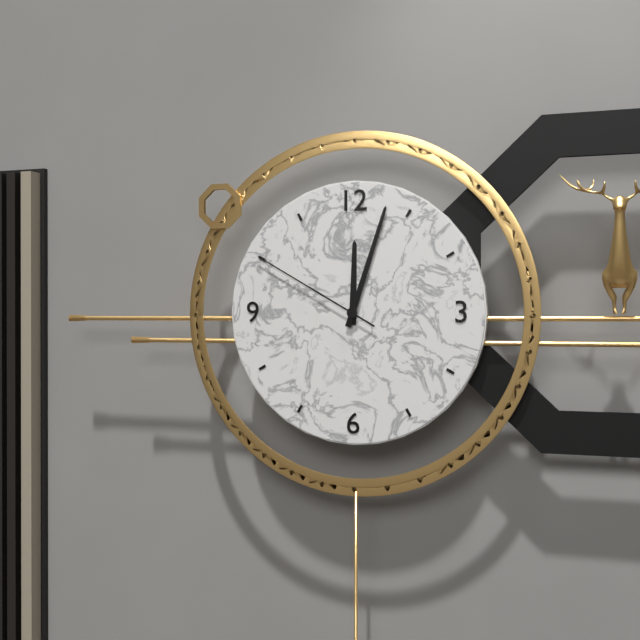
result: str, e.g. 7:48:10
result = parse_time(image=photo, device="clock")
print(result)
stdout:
12:03:50
